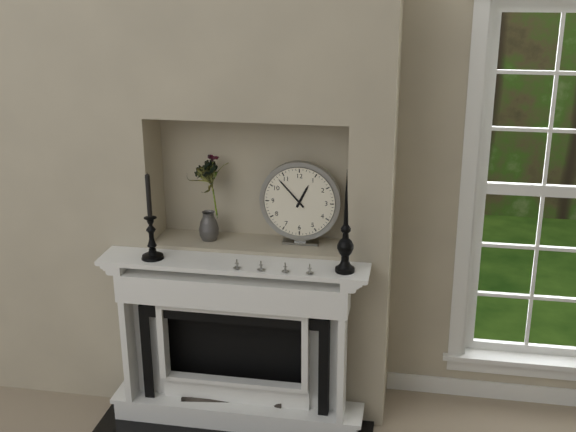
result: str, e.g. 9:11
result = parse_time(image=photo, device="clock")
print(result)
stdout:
12:53
